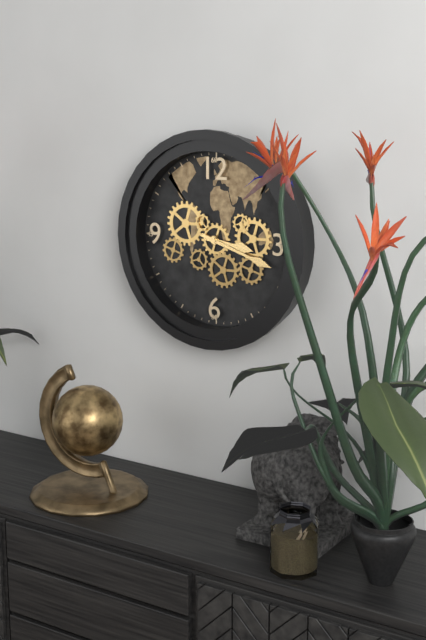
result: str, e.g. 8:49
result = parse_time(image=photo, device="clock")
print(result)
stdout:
3:18
